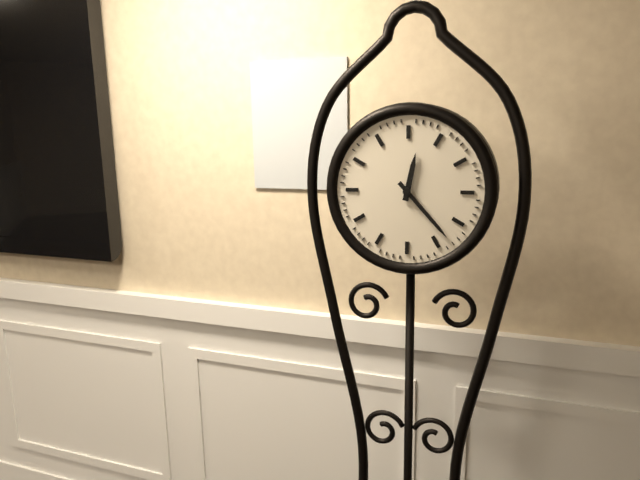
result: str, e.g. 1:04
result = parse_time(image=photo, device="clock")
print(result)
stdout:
12:23
